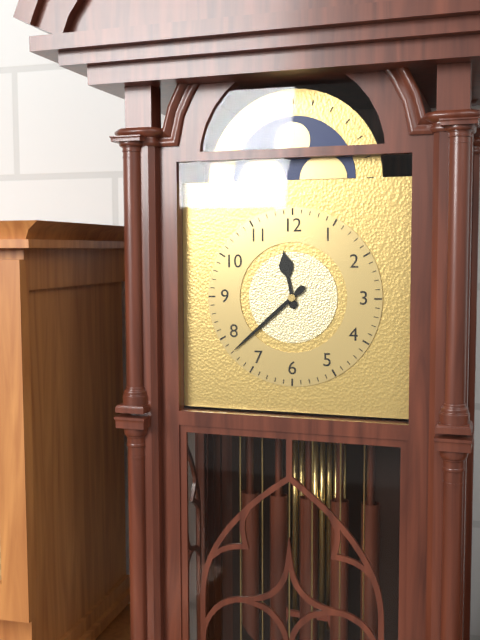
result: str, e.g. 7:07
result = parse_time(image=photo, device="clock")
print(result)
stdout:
11:38
